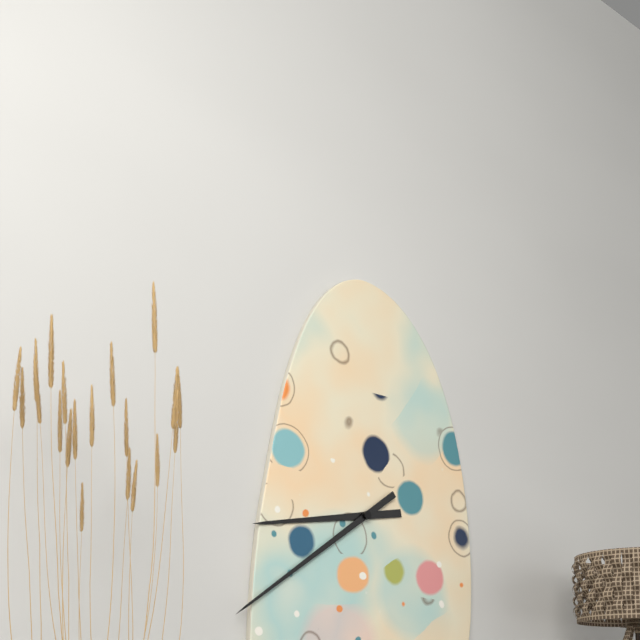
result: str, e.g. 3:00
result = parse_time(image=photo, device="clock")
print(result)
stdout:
8:39
